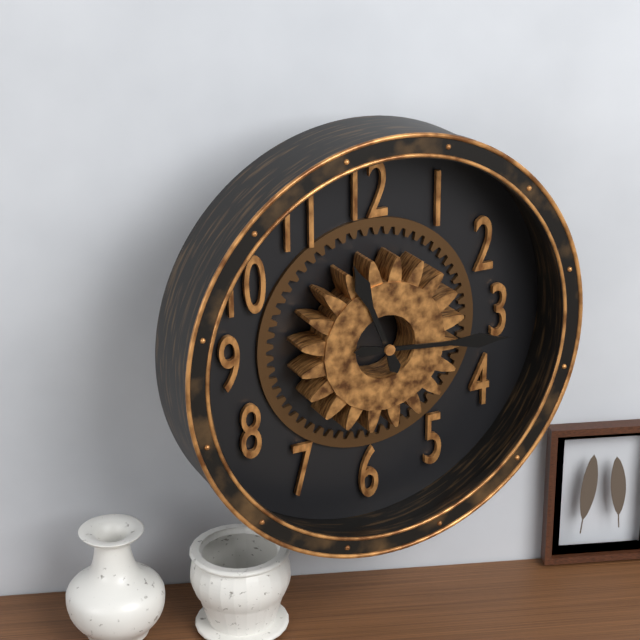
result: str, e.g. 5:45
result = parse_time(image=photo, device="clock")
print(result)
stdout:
11:16
